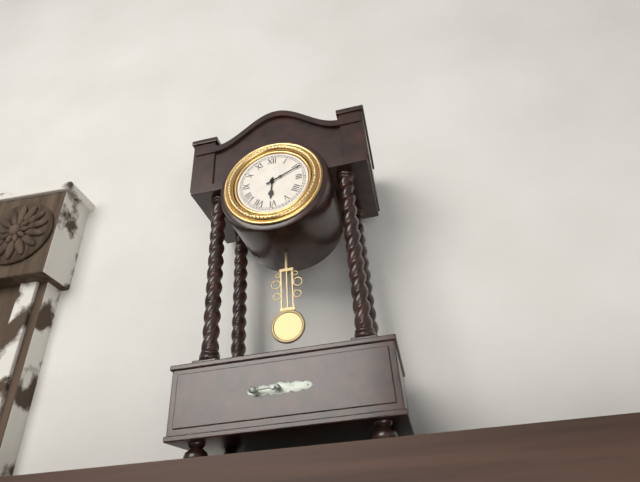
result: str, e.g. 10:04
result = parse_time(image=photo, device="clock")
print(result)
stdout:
6:11
